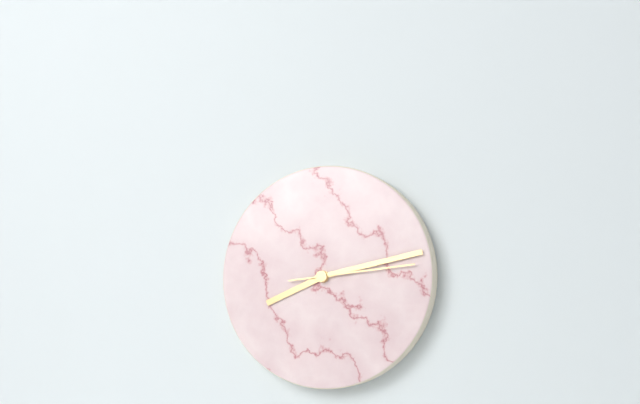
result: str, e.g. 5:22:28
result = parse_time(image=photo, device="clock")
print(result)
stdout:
8:13:14
